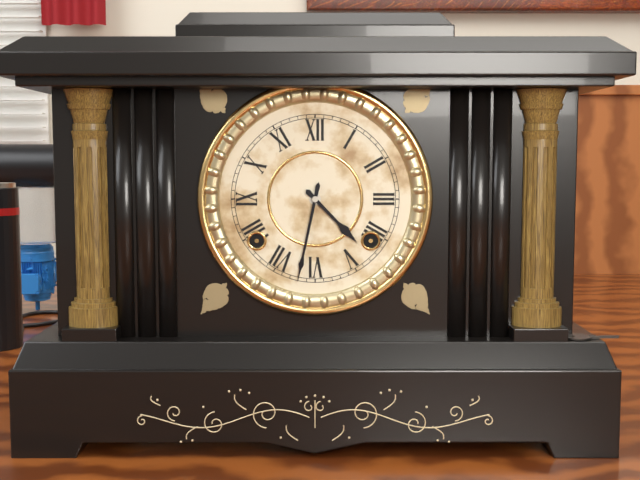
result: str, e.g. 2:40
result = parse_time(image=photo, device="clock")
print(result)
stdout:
4:32
